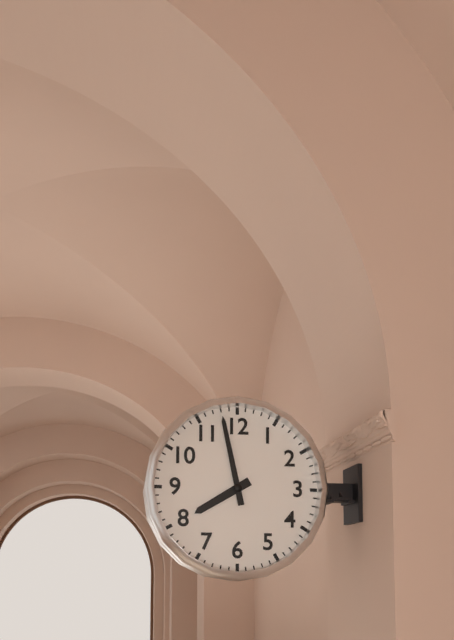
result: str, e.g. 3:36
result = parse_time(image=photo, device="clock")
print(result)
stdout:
7:58
